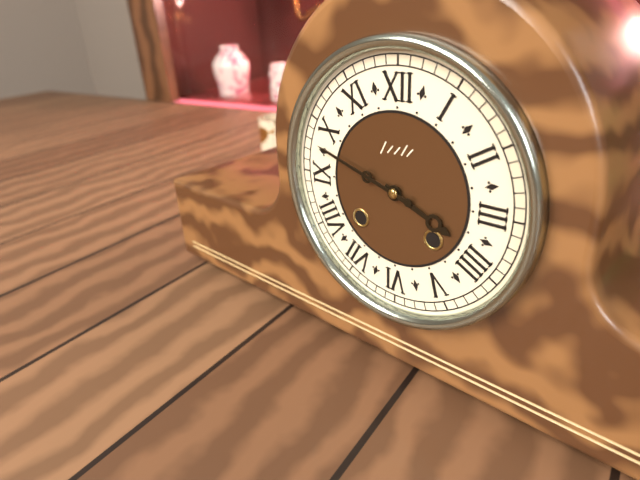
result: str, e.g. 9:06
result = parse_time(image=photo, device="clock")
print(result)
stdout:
3:48
